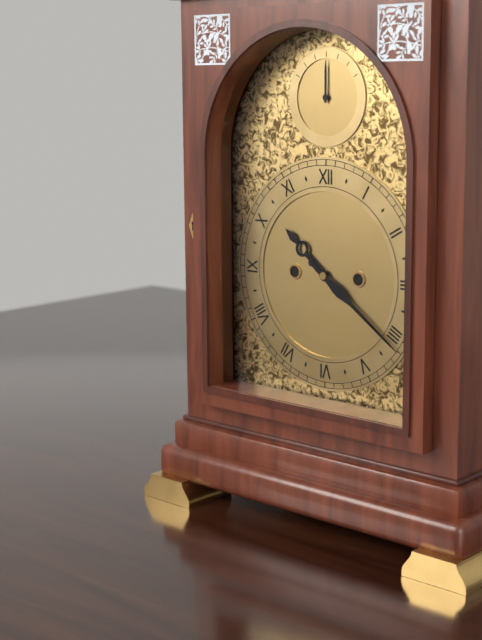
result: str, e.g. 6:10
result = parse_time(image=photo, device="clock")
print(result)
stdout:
10:21
